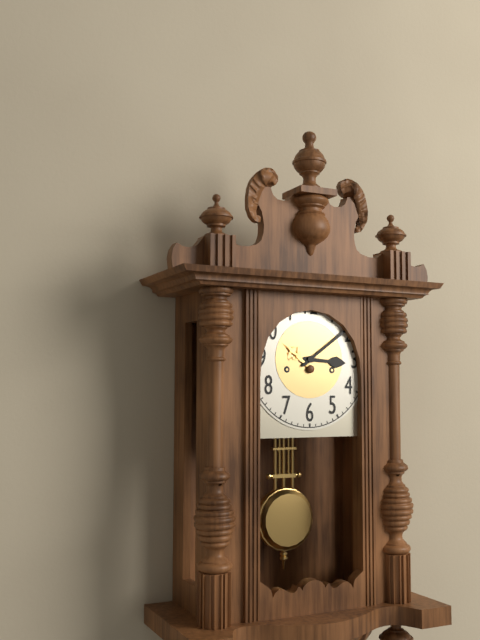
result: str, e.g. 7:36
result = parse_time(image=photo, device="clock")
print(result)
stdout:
3:09
